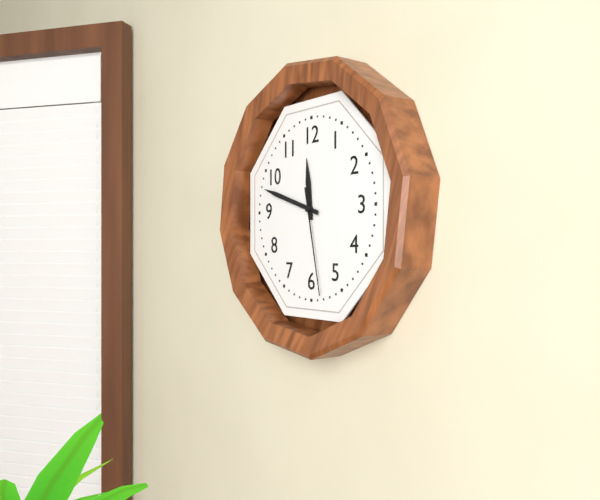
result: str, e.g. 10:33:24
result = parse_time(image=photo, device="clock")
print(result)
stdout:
11:48:28
